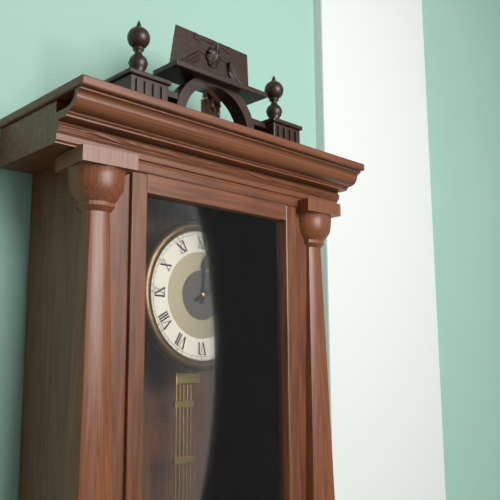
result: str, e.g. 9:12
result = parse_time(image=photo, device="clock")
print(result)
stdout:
12:10
